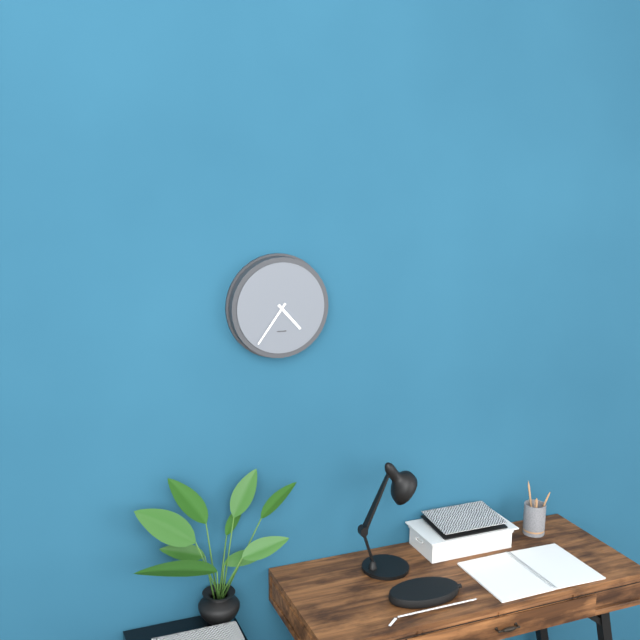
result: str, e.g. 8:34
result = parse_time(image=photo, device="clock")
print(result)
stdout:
4:36
